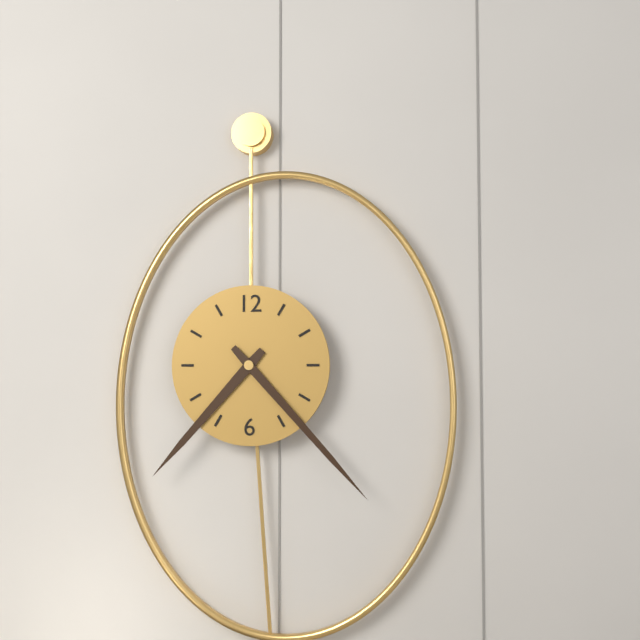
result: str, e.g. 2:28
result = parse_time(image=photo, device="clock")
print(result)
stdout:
7:23
